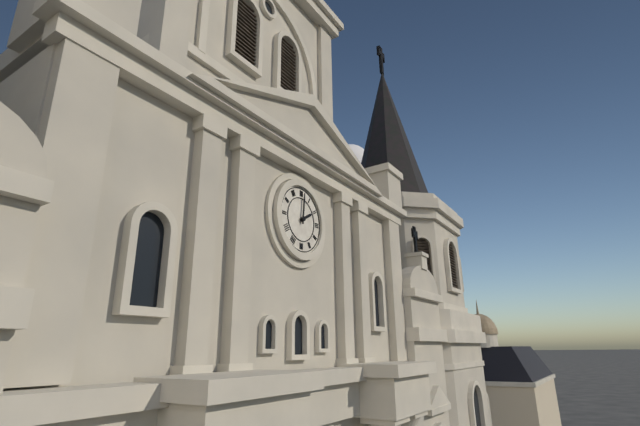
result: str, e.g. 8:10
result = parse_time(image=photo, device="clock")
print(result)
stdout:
2:01
